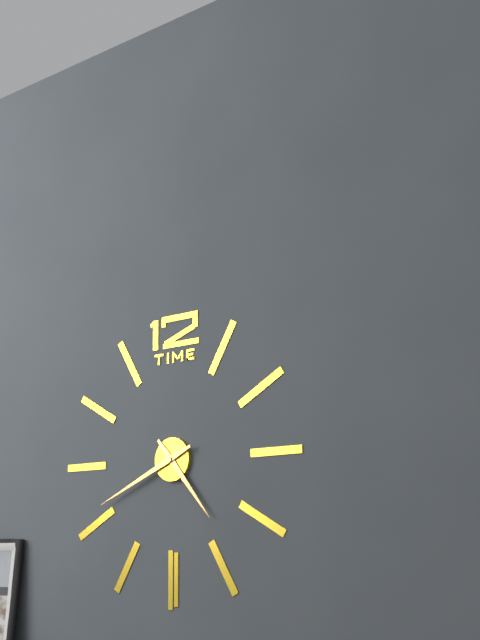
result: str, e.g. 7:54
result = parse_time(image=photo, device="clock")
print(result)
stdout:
4:41
